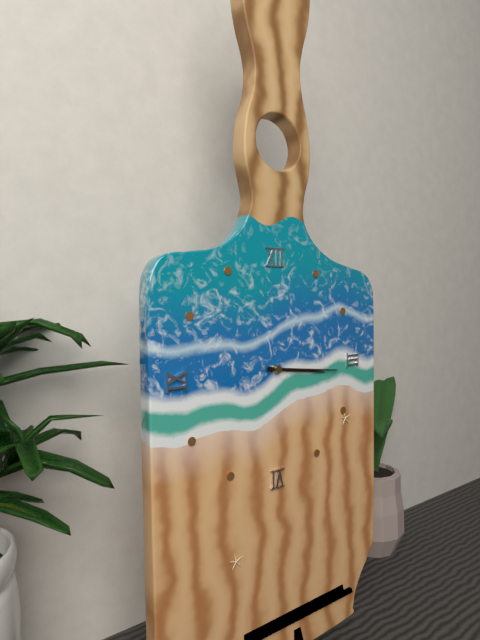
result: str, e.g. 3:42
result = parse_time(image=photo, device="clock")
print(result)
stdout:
3:16
